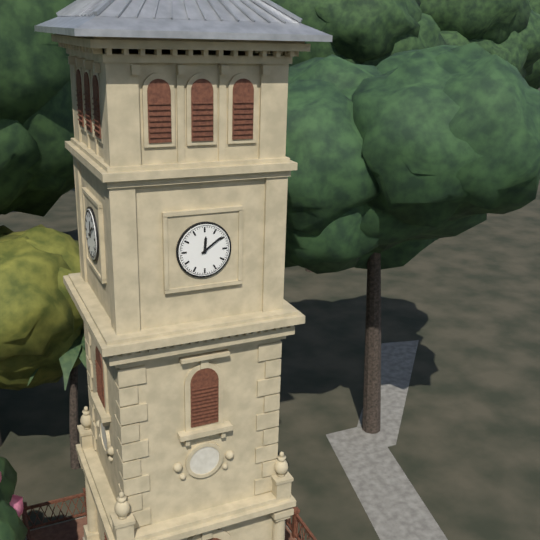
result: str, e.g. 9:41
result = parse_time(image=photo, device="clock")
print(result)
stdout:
12:09
